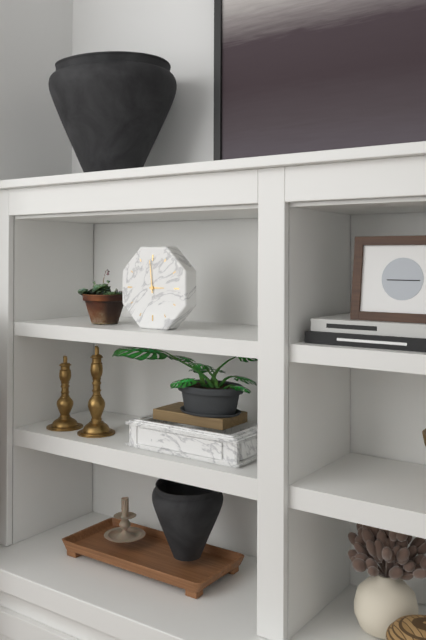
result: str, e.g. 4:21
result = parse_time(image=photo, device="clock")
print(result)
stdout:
2:59
